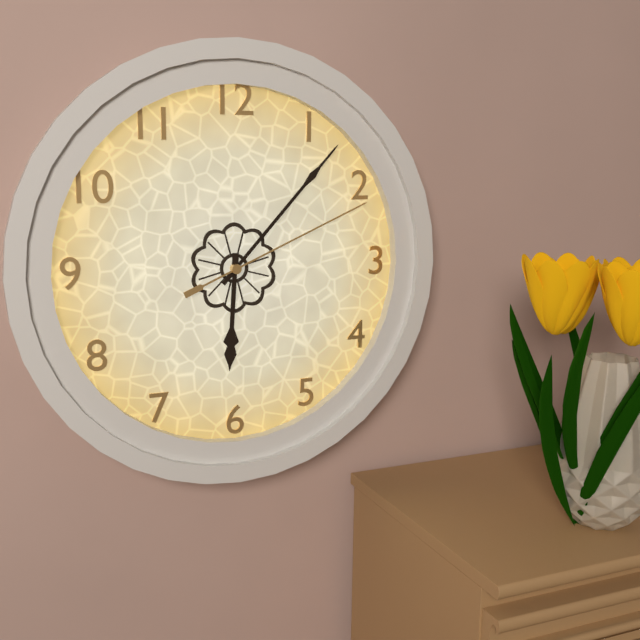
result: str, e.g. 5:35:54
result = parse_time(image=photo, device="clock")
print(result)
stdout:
6:07:11
